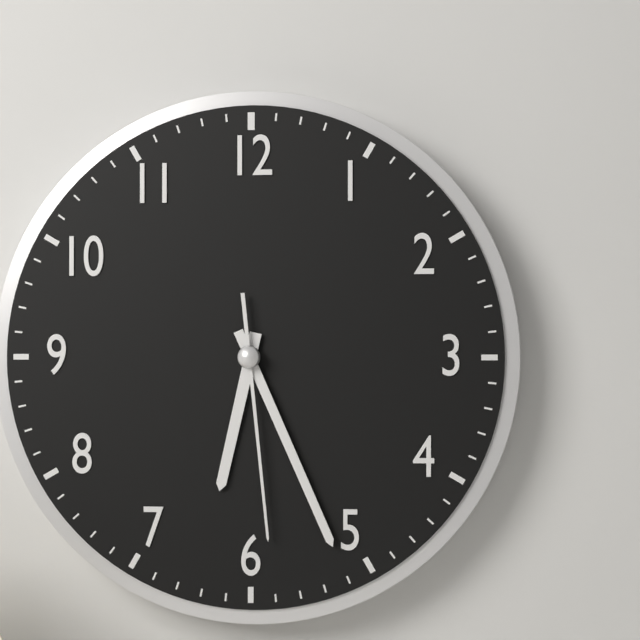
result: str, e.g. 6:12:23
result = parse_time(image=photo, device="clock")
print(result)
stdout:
6:26:29
